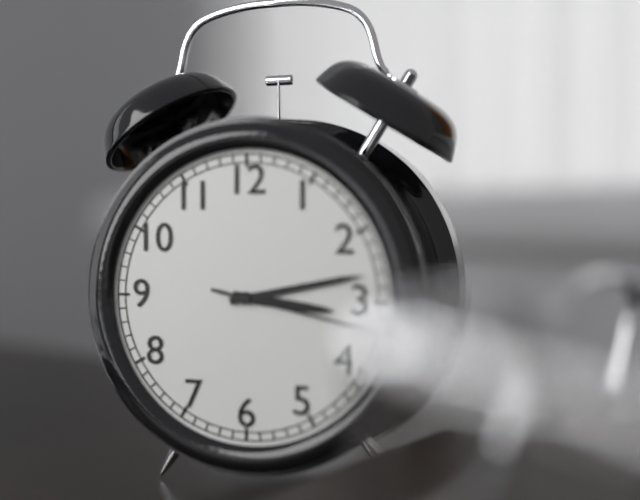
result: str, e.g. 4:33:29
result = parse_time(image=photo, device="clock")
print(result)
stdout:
3:13:17
